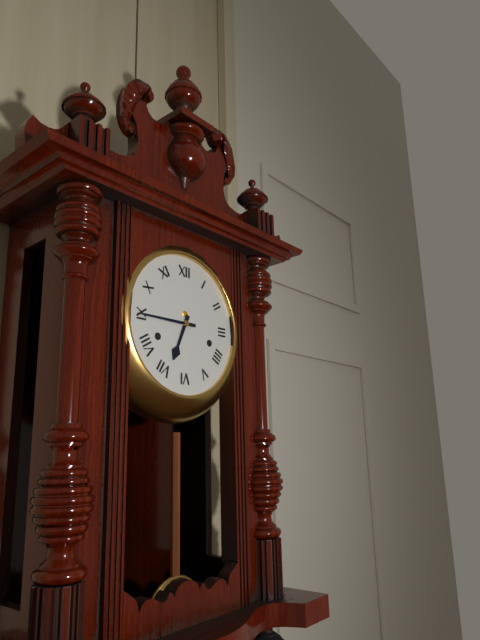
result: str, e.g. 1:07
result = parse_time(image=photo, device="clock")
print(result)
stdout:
6:45
